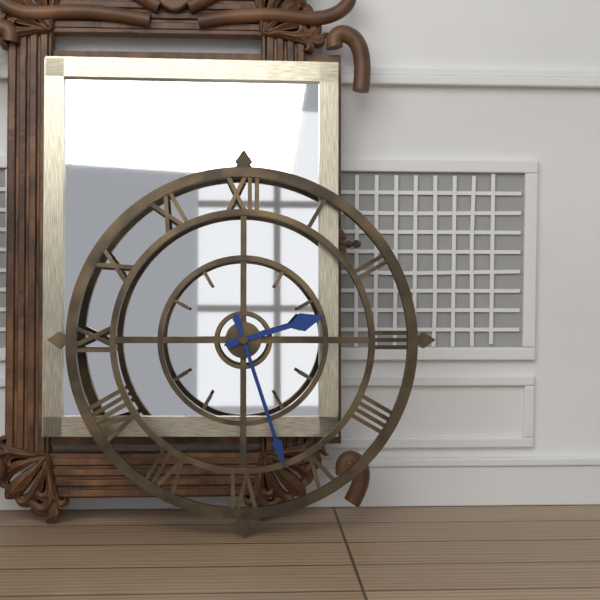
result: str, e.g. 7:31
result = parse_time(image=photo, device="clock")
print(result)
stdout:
2:27
